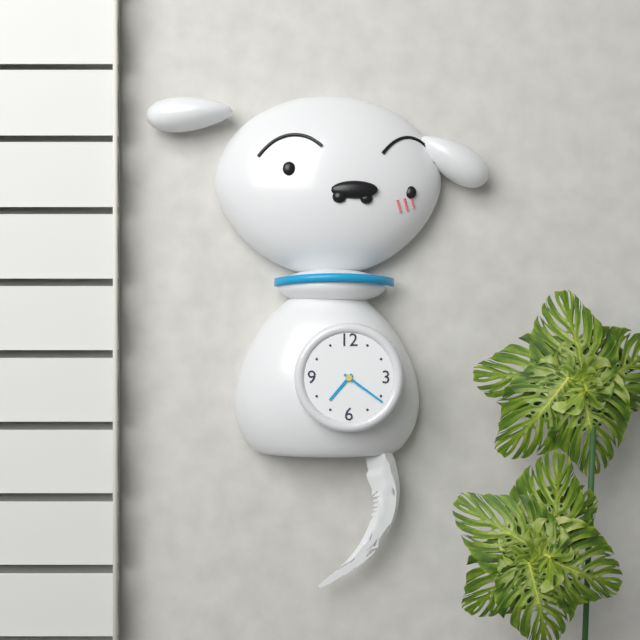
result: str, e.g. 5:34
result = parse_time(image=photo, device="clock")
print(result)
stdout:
7:21
